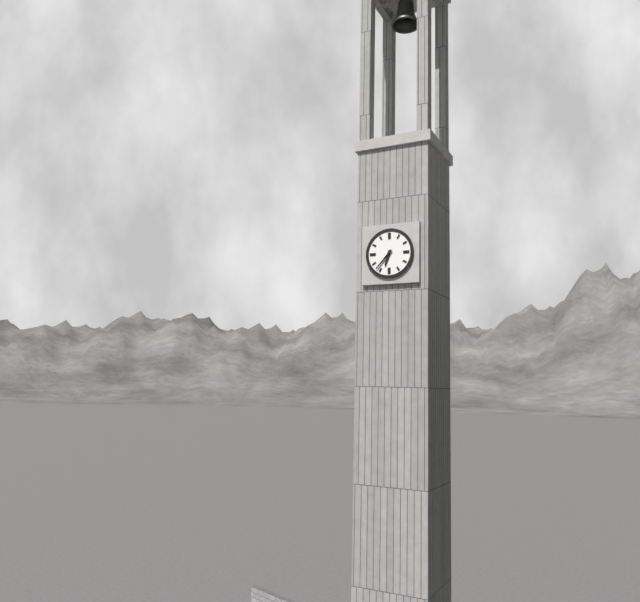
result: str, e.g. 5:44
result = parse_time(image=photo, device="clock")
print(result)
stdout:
6:37
